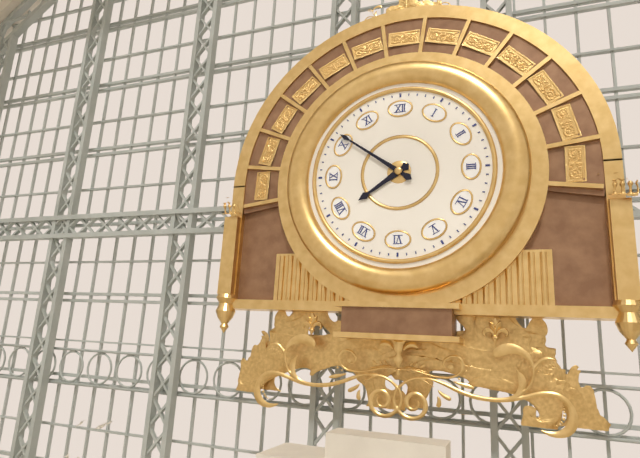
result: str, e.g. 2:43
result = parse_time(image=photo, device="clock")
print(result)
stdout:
7:51
